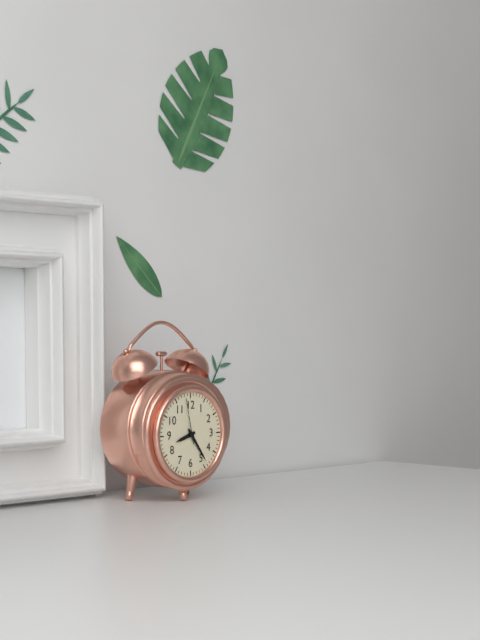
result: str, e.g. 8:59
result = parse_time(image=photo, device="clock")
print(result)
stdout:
8:24
